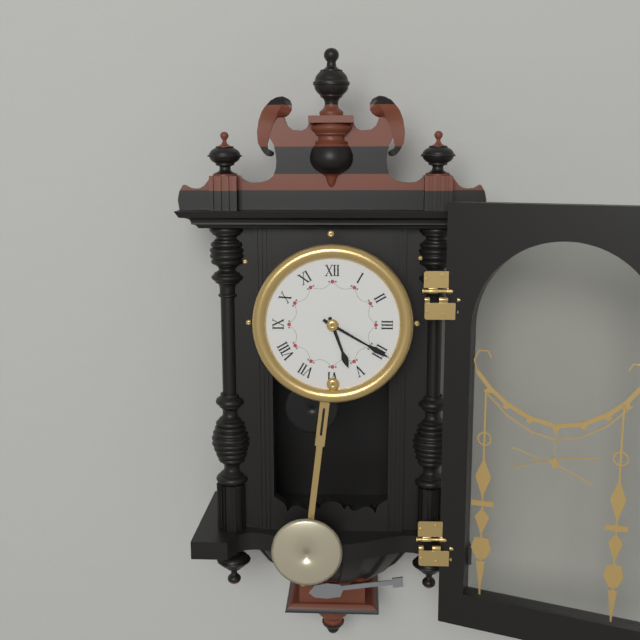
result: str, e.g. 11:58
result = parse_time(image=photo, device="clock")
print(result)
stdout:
5:20
